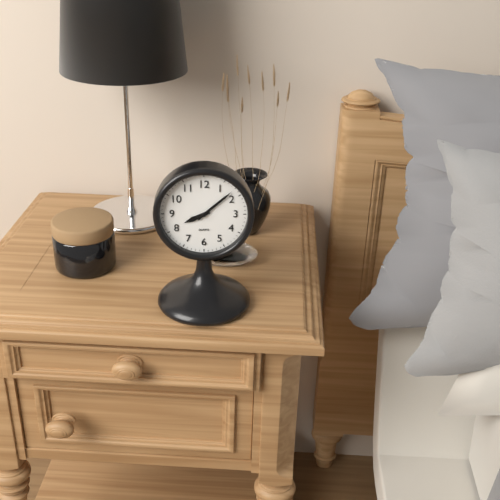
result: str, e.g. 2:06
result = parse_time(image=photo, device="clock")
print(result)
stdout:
8:08
